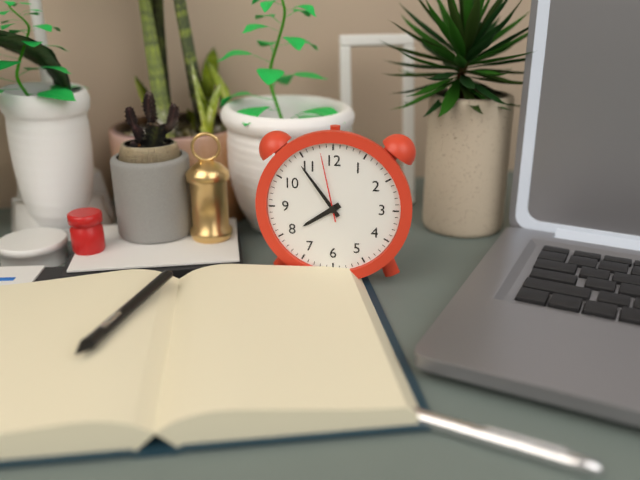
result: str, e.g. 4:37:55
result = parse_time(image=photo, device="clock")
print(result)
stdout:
7:54:58
